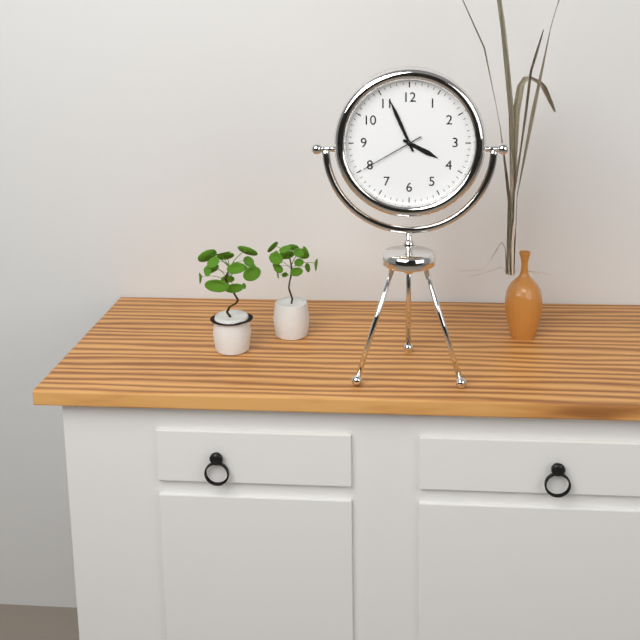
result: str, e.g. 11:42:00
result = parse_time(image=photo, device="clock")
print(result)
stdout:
3:56:40
